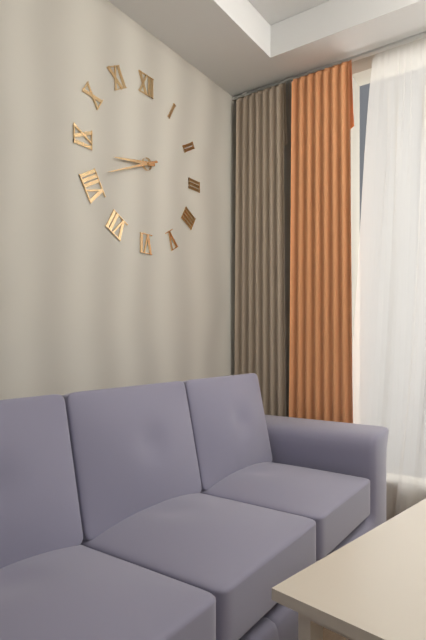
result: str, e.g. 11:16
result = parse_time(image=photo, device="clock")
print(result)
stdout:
8:41
